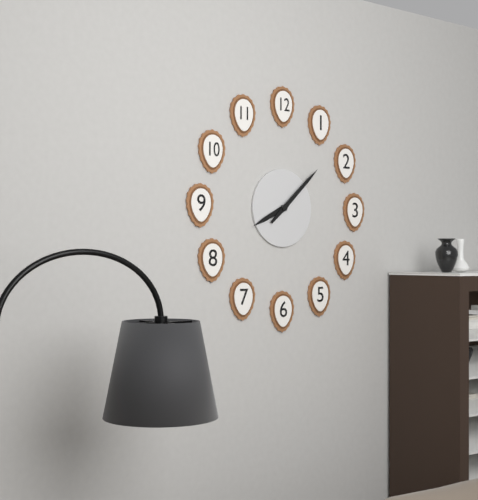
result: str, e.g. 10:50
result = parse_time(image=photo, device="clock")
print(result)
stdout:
8:08
